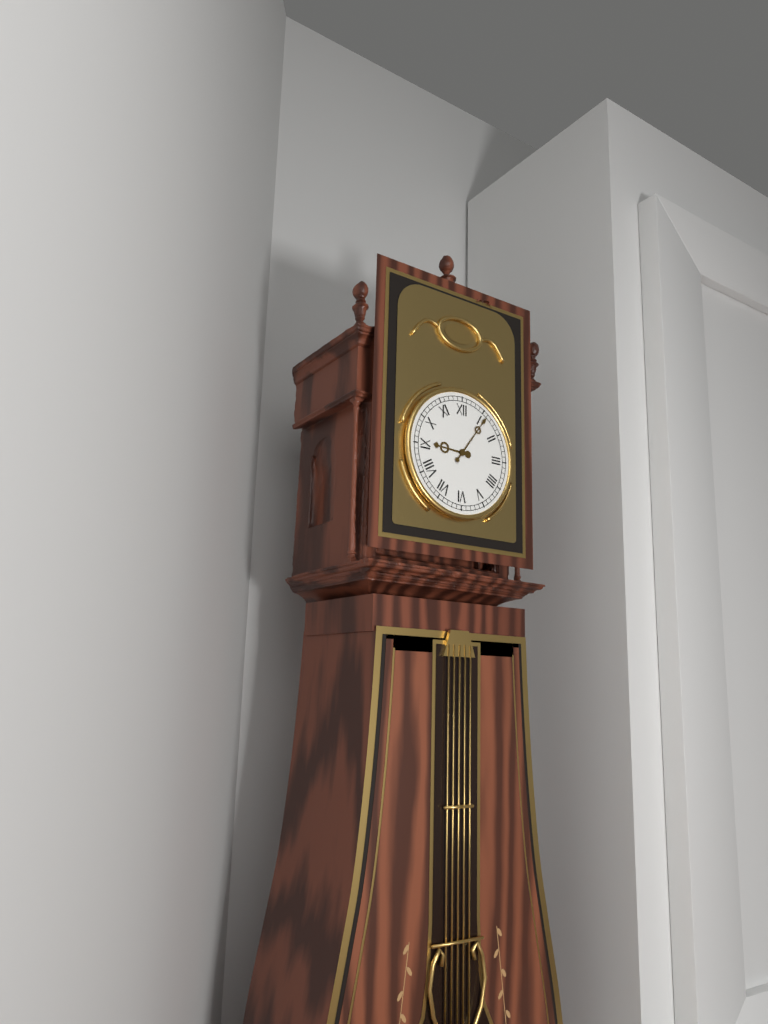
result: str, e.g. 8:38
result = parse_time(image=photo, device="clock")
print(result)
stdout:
9:06
